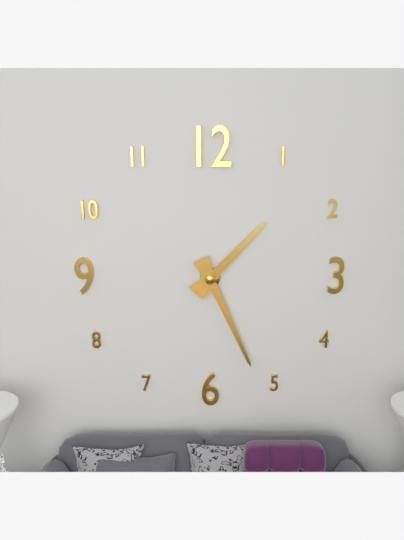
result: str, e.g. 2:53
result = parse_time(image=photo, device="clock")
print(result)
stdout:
1:26
